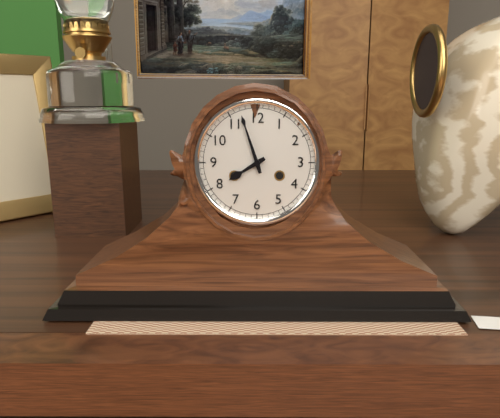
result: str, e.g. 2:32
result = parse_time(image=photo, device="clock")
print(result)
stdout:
7:57
